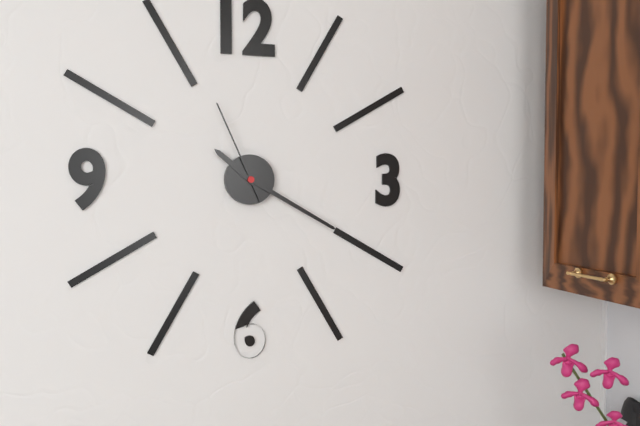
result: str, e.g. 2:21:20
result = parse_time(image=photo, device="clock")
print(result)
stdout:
10:20:56
